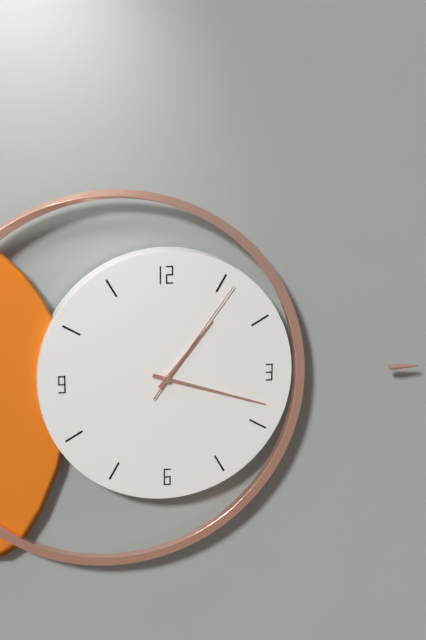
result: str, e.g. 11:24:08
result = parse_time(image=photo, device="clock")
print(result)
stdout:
1:18:06
